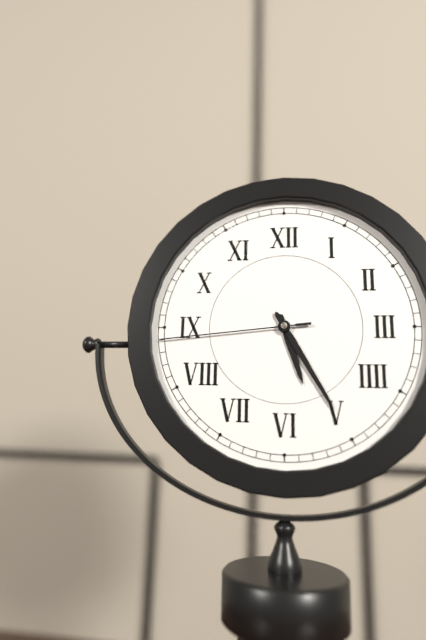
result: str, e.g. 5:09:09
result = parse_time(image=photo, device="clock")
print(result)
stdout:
5:25:44
